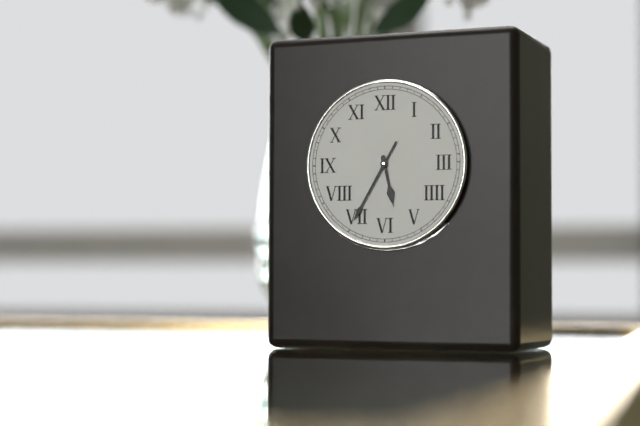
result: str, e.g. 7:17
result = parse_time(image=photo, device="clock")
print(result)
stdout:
5:35
